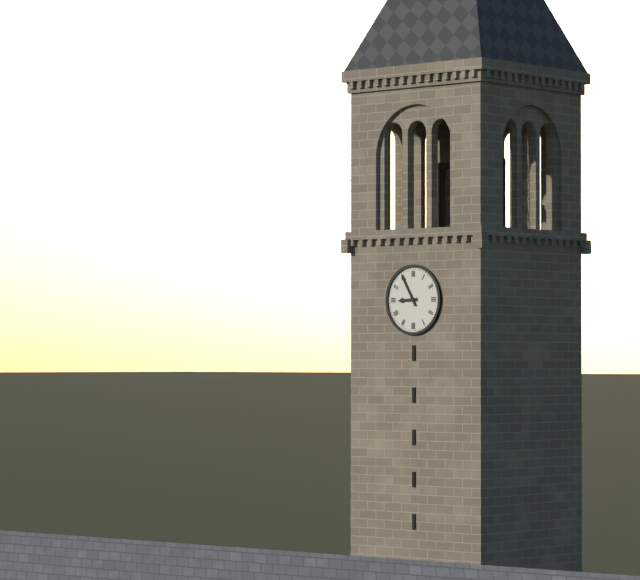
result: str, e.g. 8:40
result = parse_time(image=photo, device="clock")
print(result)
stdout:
8:55
